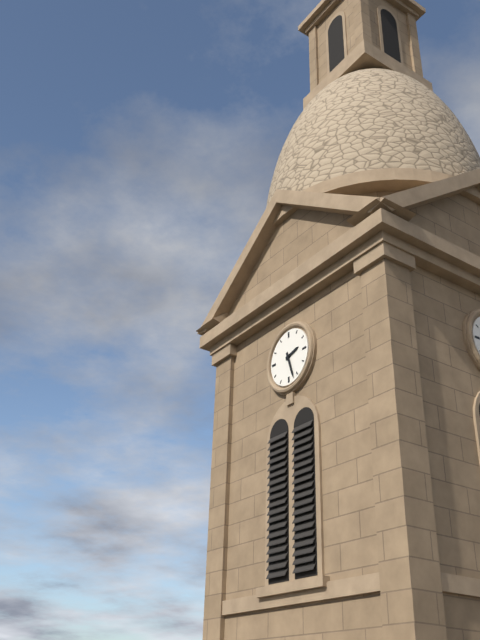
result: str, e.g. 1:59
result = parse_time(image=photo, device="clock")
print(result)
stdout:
2:27
